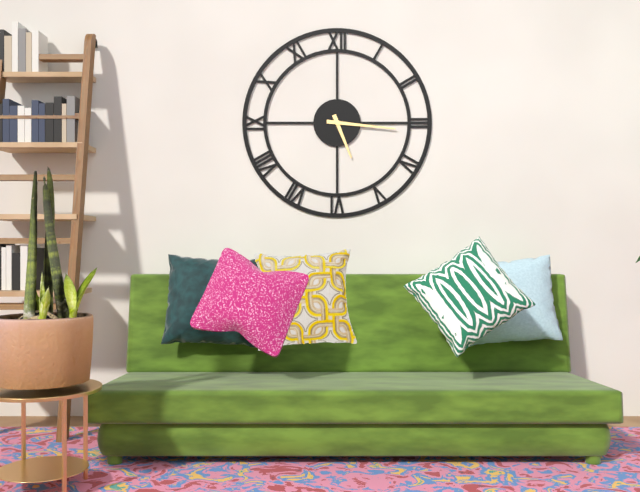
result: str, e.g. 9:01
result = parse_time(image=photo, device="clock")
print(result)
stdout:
5:16
